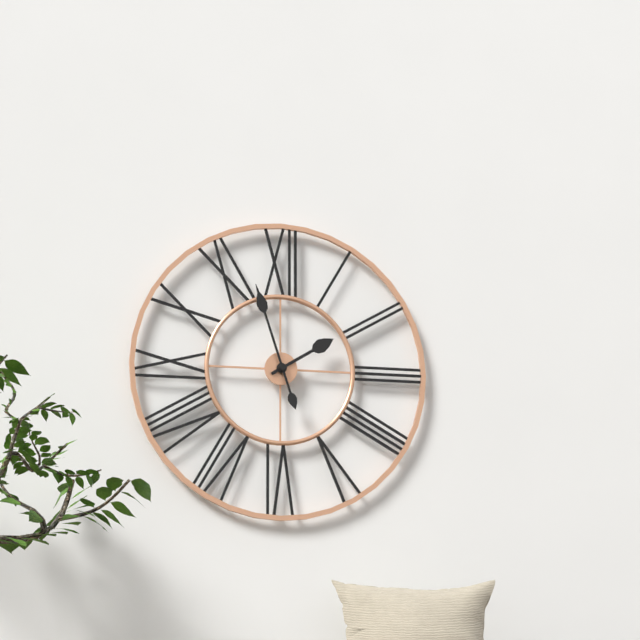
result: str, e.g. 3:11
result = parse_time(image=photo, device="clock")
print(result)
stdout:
1:57
